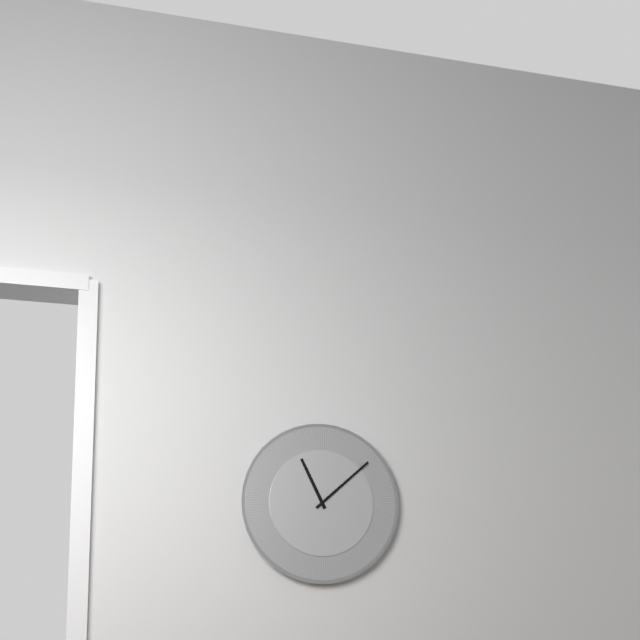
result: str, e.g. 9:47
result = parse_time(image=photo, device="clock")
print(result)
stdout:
11:08
